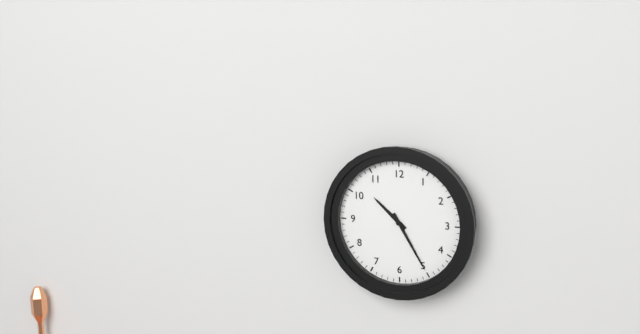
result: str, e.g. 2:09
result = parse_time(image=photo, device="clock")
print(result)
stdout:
10:25
